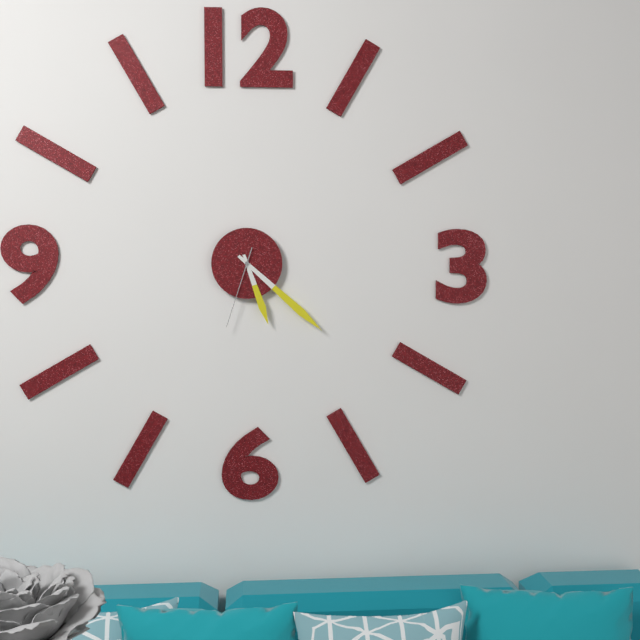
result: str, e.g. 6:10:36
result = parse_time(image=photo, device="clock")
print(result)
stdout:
5:22:33
